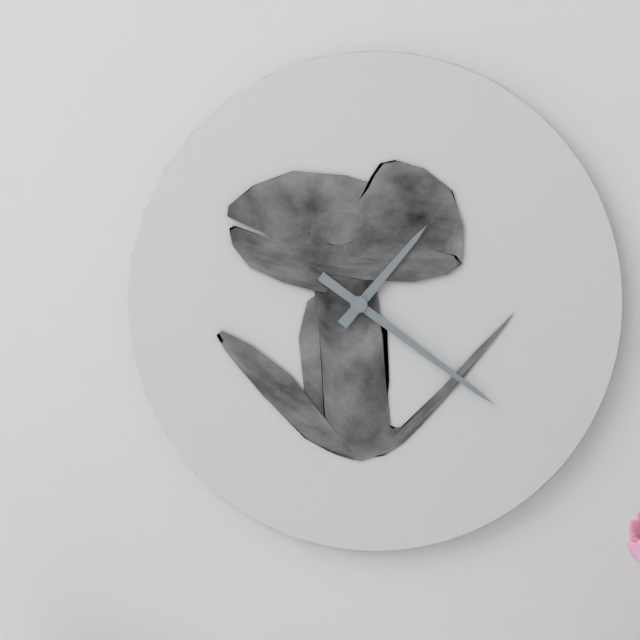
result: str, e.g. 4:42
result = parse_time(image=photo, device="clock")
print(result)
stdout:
1:21
